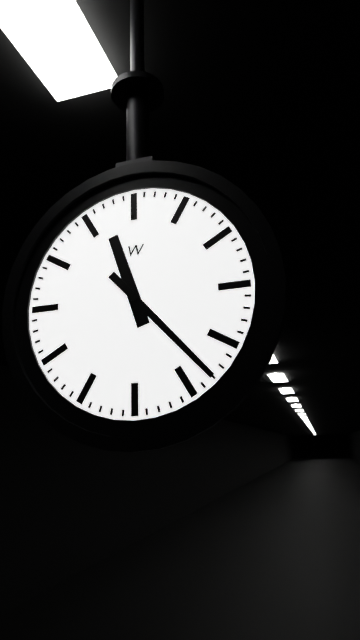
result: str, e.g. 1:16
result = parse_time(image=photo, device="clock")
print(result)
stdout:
11:23
